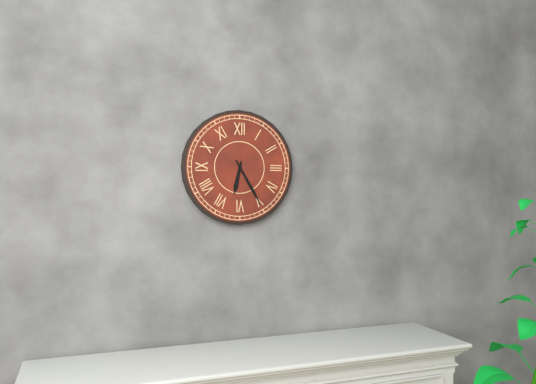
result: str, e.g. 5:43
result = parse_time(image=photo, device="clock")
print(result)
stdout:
6:25
